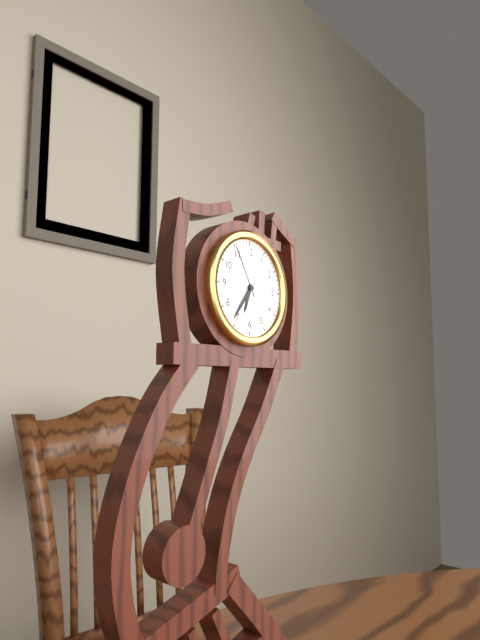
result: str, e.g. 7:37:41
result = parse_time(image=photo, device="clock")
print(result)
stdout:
6:36:55
